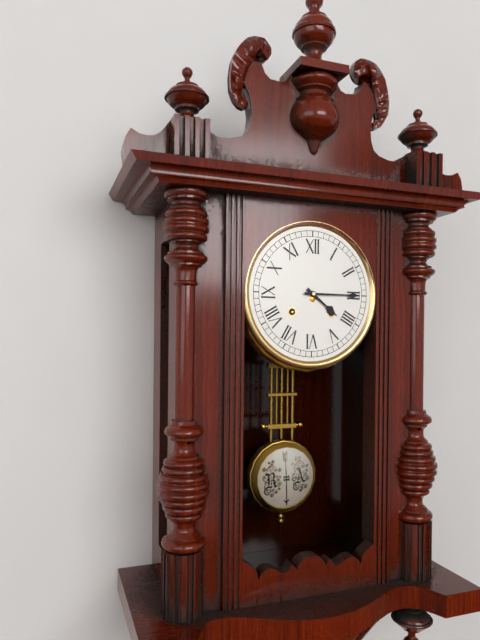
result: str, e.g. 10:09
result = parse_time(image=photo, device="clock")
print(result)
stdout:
4:15
